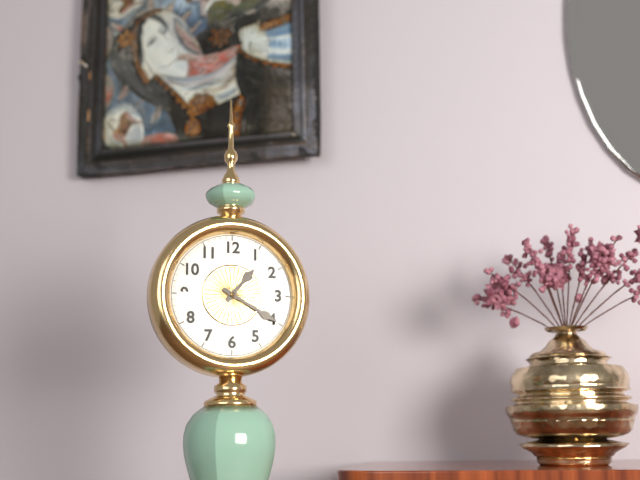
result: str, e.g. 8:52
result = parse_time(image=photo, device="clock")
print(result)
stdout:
1:20
